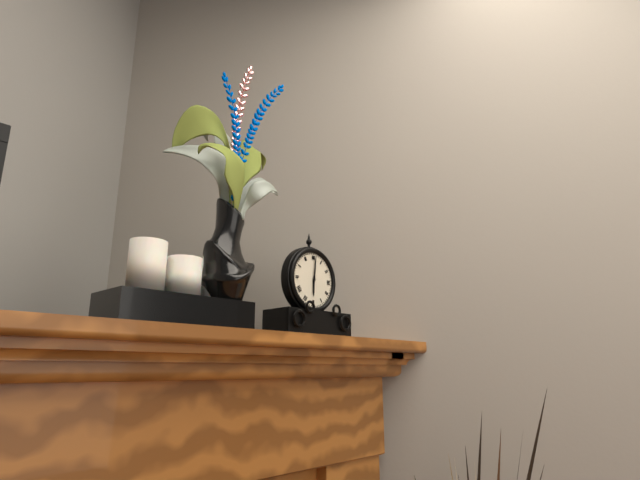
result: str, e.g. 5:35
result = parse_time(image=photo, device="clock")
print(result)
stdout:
6:01
